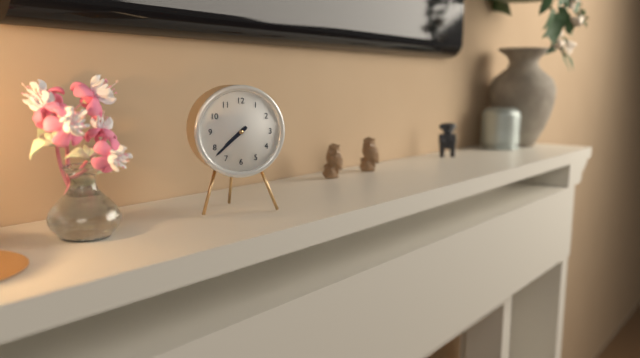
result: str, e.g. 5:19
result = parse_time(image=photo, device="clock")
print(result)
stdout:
7:38
